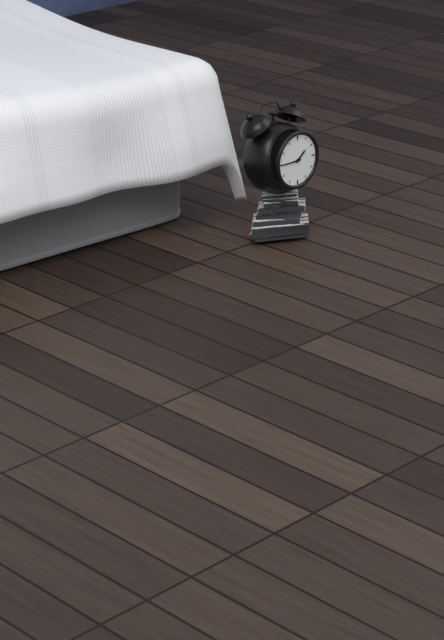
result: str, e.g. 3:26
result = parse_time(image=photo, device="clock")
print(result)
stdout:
1:45
